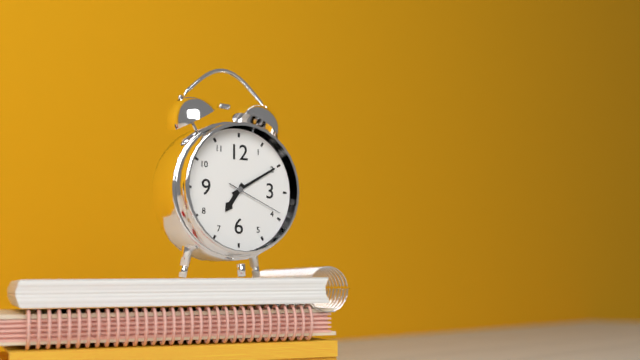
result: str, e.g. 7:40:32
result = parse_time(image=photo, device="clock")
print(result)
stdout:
7:10:19
